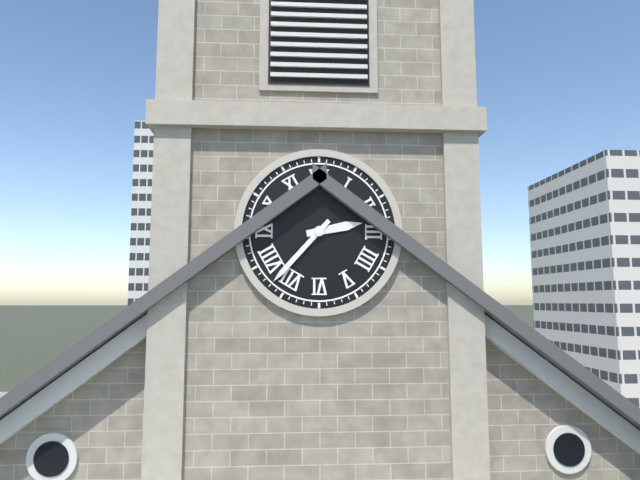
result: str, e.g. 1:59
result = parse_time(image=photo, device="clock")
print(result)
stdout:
2:37
